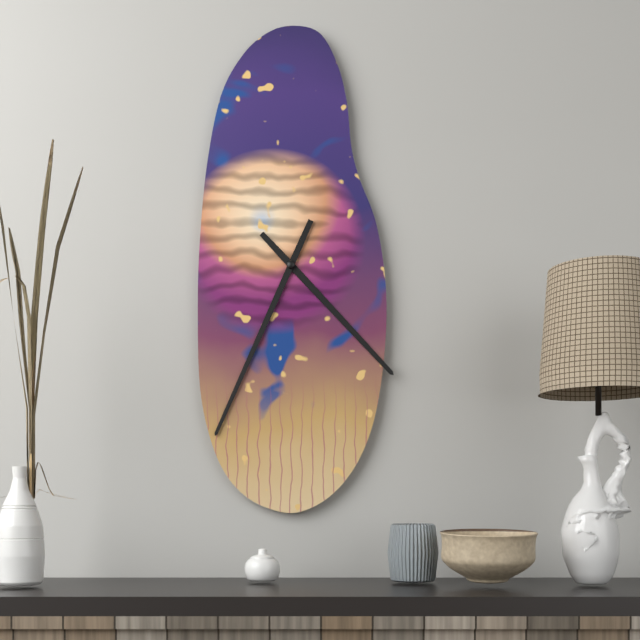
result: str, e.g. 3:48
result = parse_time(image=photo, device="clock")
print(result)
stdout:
4:34
